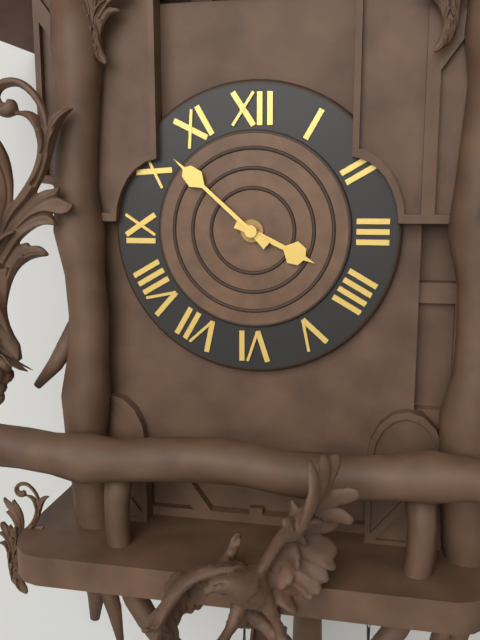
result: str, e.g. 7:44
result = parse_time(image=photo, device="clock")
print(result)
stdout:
3:52
